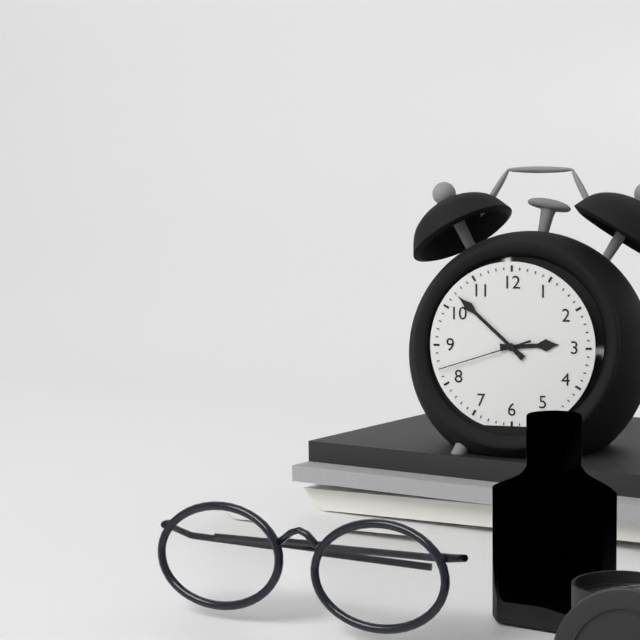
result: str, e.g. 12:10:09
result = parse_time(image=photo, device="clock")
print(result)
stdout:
2:52:42
